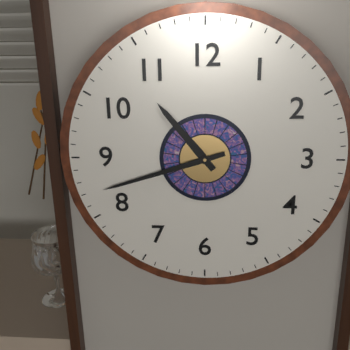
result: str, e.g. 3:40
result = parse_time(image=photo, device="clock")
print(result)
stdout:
10:42
